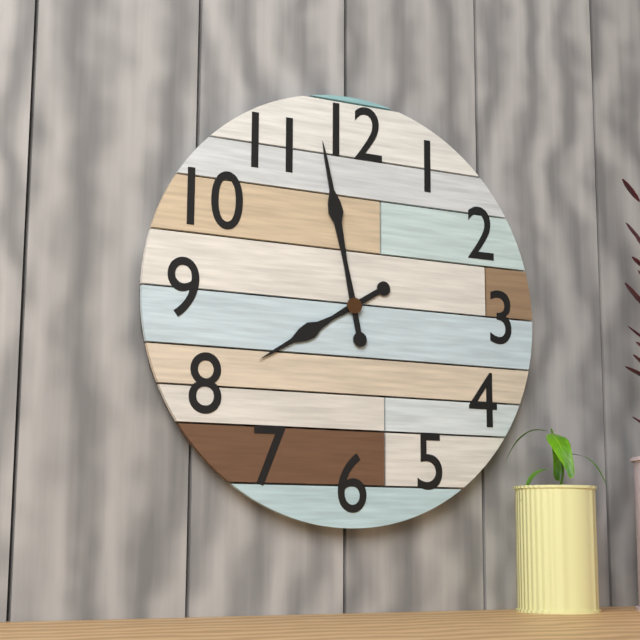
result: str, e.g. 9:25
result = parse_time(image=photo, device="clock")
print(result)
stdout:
7:58
